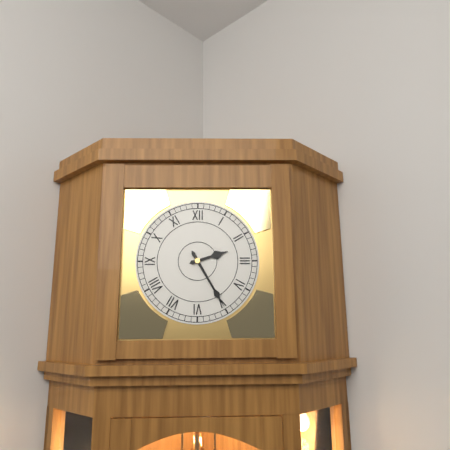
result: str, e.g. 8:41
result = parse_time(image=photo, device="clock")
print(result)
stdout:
2:25
